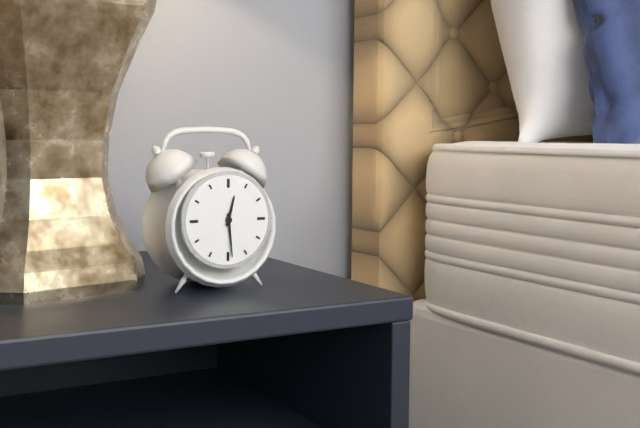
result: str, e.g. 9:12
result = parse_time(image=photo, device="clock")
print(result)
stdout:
12:29
